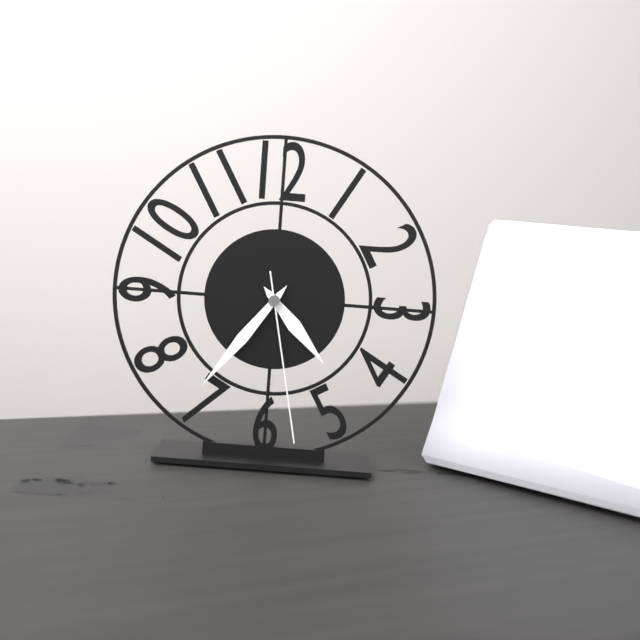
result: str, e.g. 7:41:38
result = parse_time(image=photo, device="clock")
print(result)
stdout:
4:36:28
